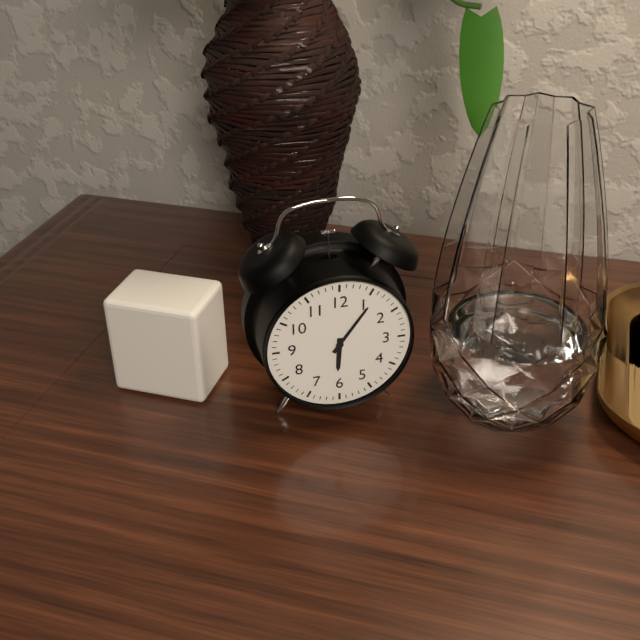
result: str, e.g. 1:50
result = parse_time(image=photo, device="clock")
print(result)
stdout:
6:06
